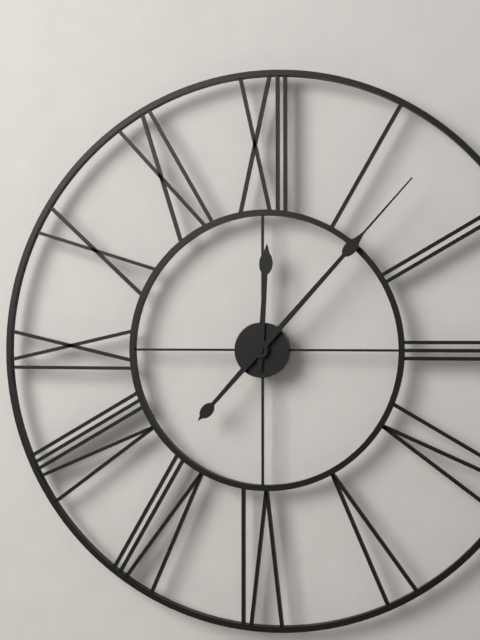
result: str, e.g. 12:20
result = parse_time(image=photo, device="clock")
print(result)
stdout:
12:07
